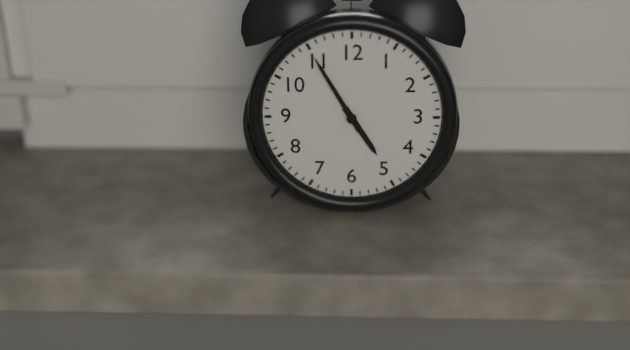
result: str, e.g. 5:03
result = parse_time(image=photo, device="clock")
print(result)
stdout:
4:55
